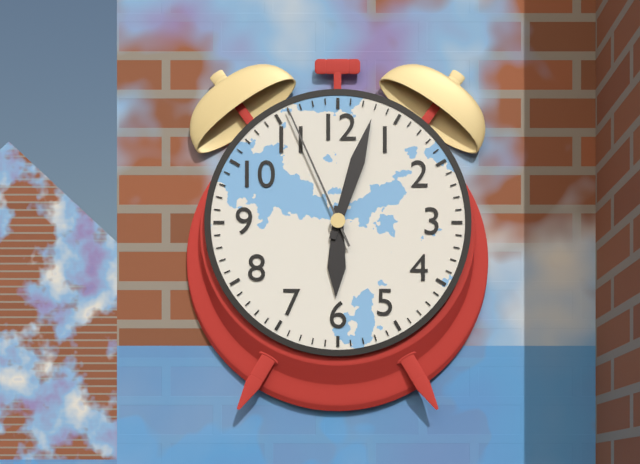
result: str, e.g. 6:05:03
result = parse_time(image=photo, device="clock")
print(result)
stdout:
6:03:56
